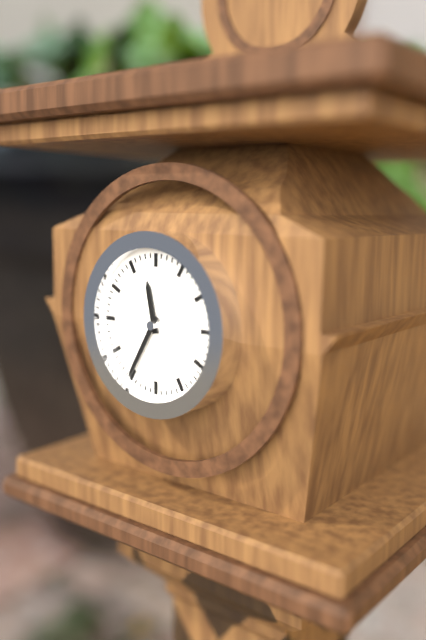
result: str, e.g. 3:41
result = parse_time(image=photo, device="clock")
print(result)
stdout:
11:35
